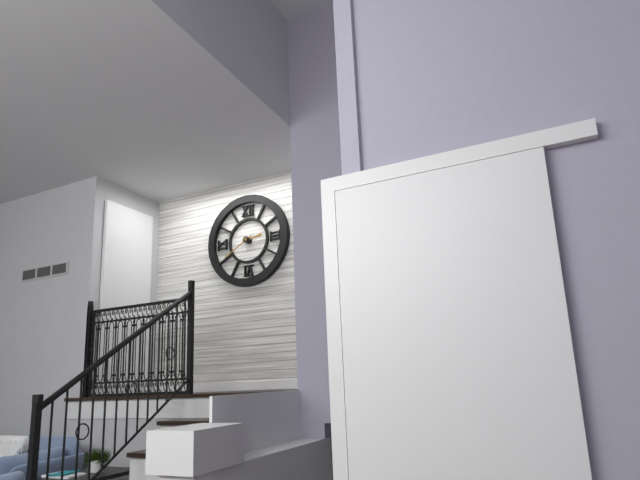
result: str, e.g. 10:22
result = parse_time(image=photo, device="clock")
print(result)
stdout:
2:40
